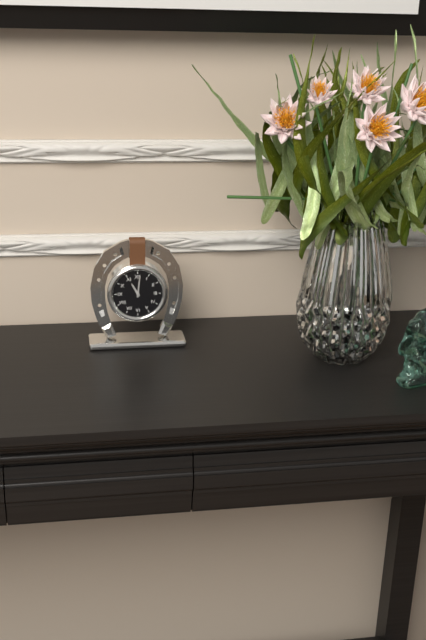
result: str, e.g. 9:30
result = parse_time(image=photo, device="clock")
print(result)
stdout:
11:01
